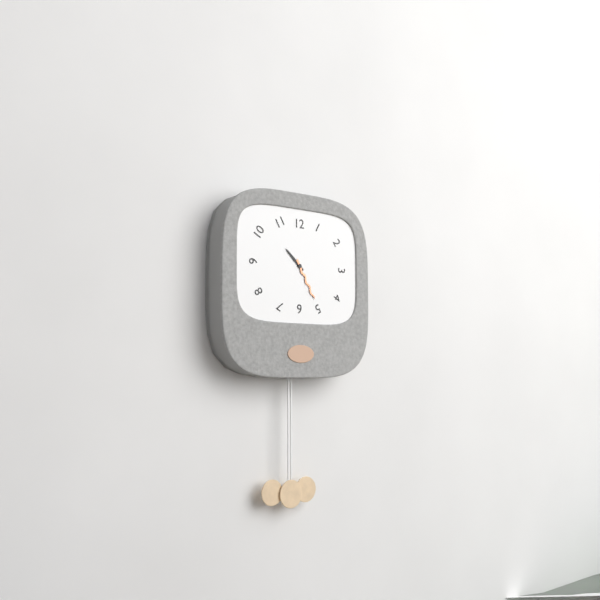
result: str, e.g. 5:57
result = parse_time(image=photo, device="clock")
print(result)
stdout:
10:25
